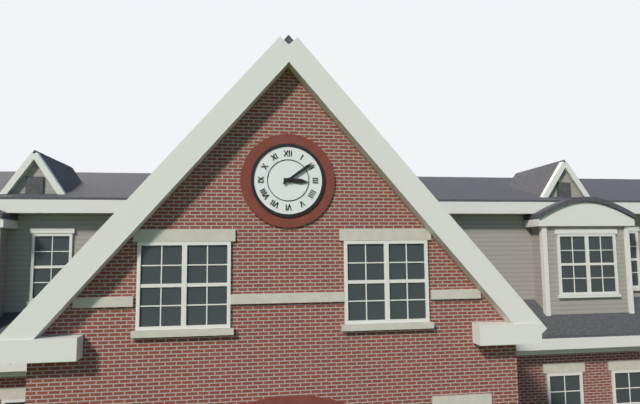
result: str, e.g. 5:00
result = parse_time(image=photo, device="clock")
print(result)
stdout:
3:09
